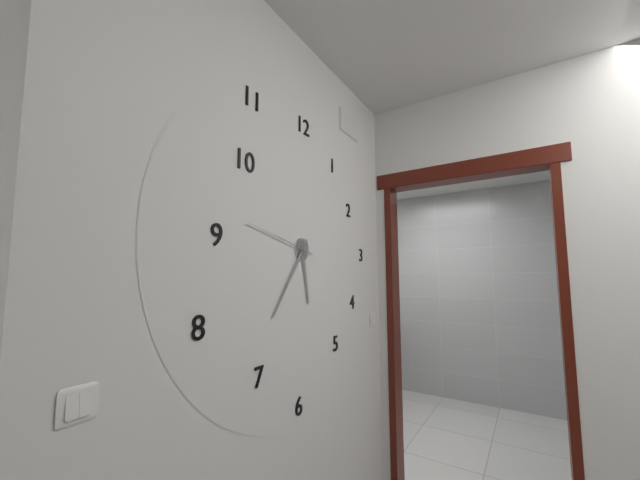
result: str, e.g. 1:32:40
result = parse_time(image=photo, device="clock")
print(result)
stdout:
5:36:47
